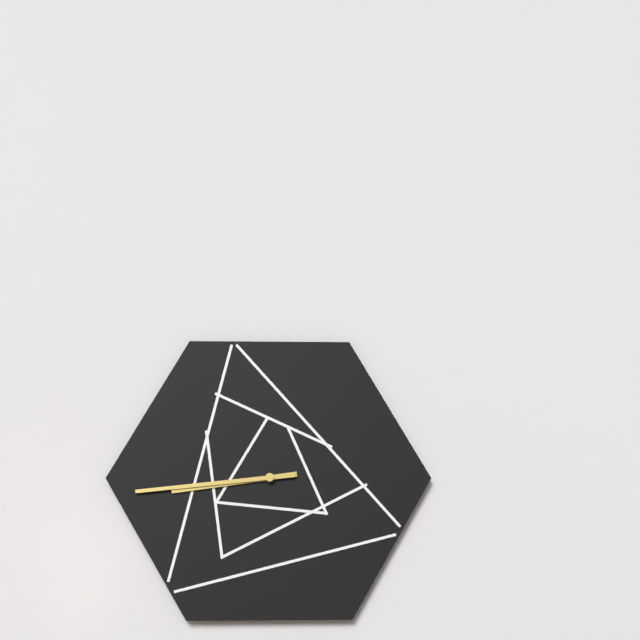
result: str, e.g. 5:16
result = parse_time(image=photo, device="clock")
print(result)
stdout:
8:44
